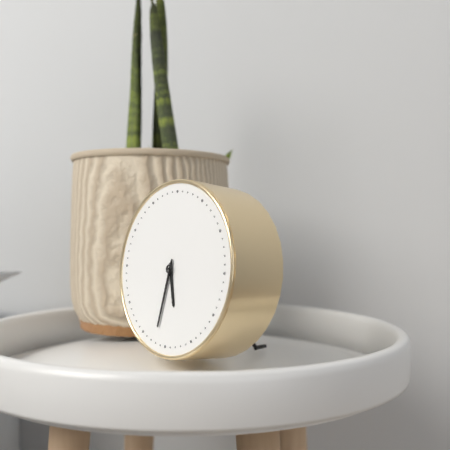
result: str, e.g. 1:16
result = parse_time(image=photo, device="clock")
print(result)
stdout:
5:32
